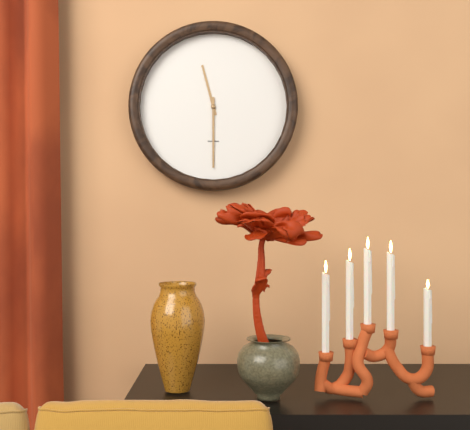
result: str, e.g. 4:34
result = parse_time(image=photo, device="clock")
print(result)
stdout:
11:30
